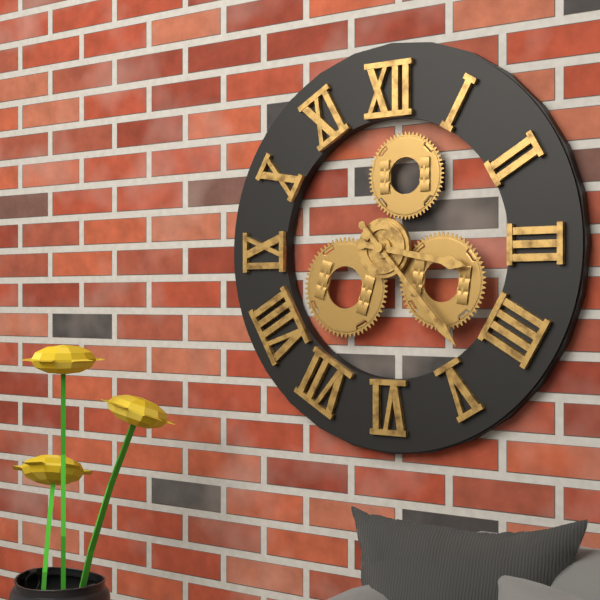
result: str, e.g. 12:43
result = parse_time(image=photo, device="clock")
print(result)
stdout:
3:23
